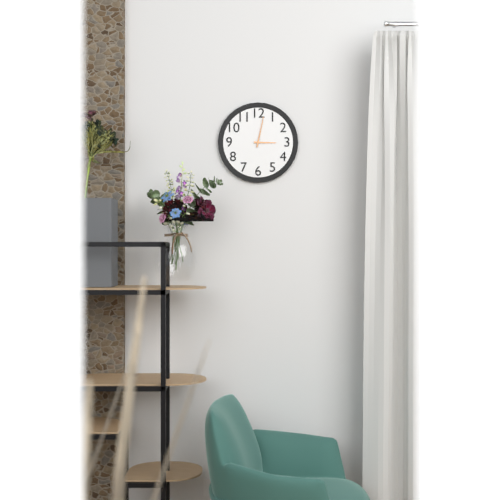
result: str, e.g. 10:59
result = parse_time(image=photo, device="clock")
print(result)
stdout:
3:02
